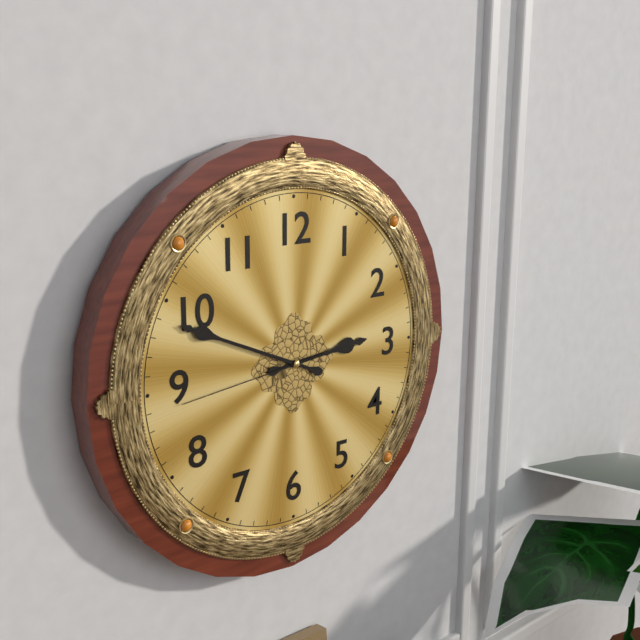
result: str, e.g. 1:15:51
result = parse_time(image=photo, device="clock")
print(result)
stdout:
2:49:44
